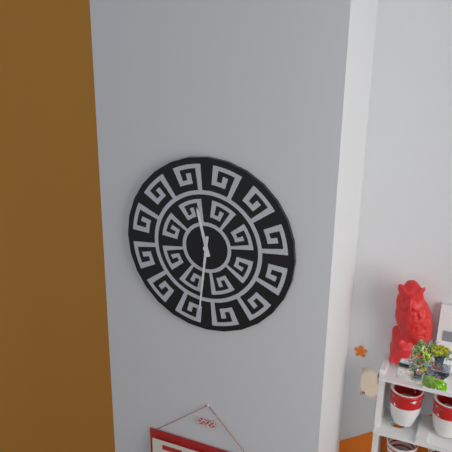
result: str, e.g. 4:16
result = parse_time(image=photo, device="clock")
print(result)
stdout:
11:31
